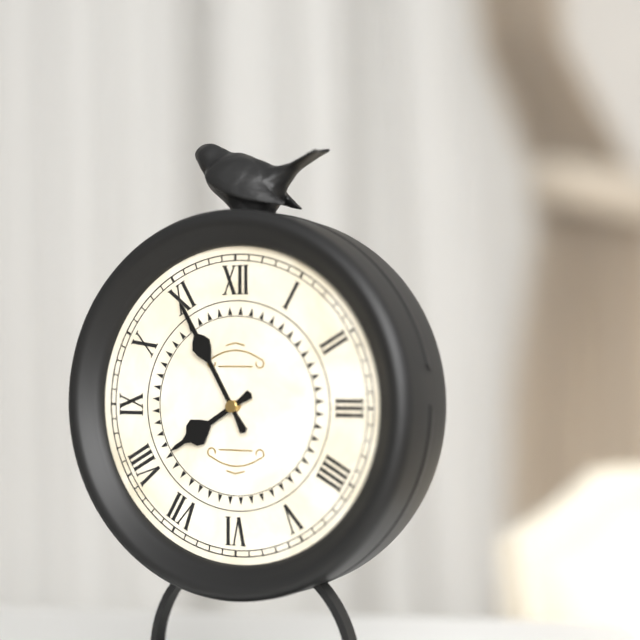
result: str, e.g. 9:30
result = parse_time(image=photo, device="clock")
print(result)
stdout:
7:55
